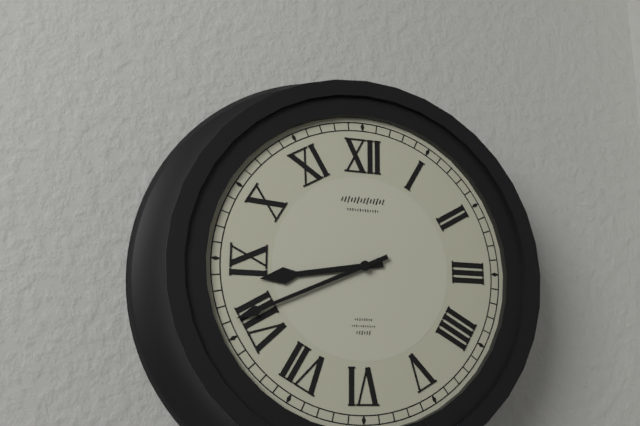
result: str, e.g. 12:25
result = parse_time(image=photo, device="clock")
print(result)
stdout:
8:41
